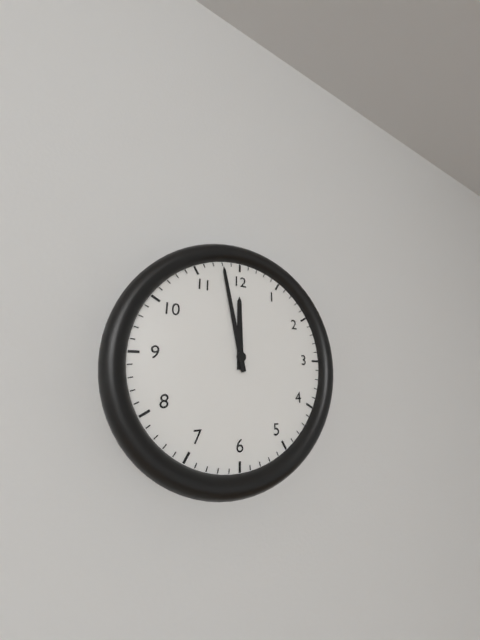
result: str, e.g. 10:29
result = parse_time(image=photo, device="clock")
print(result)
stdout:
11:58
